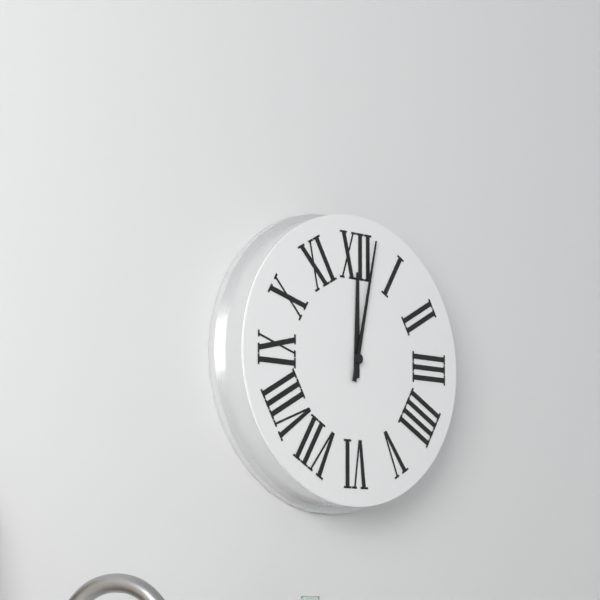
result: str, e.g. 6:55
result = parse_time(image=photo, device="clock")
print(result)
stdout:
12:02
